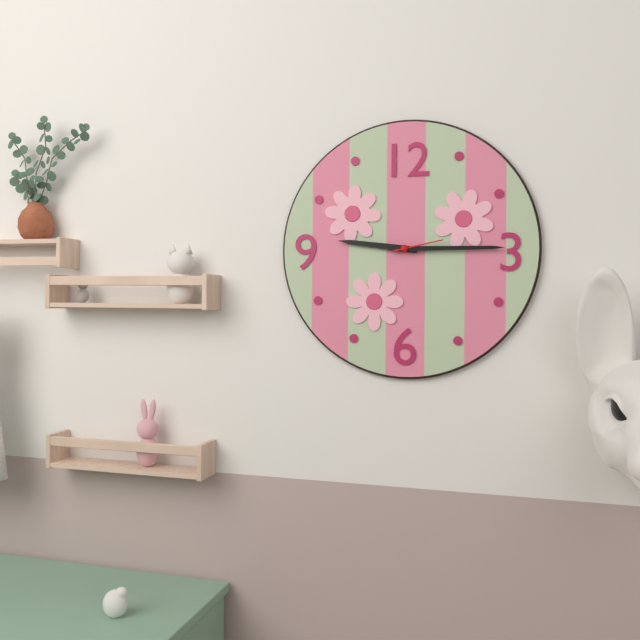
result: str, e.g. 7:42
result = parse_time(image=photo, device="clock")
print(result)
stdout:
9:15
